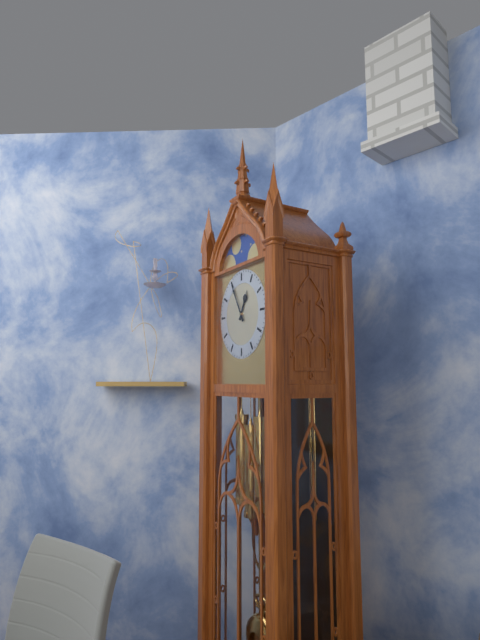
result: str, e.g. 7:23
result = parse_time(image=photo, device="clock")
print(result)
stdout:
12:55
